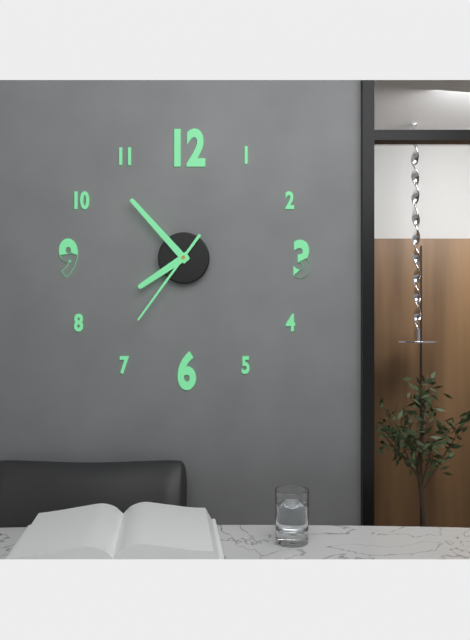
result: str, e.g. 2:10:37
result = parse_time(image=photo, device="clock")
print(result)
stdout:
7:53:36
